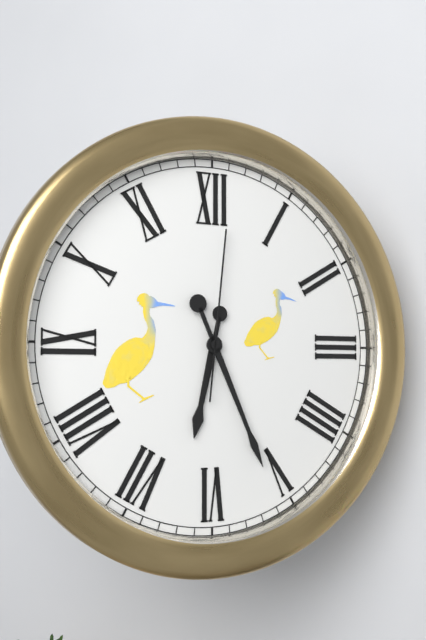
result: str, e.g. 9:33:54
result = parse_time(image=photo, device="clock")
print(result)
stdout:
6:26:01
